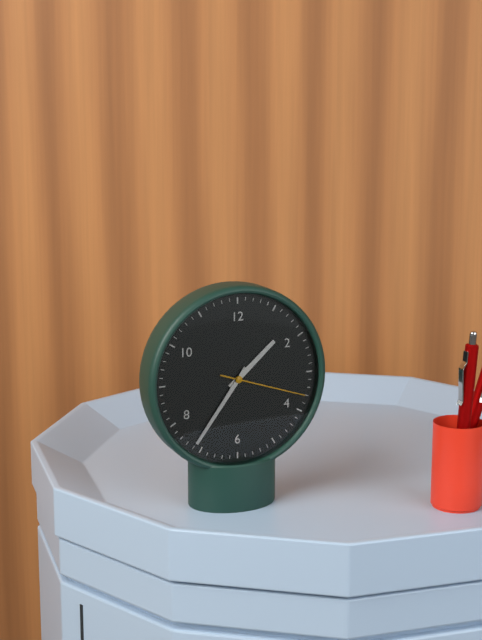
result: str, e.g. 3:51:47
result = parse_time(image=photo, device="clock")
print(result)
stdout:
1:36:18
